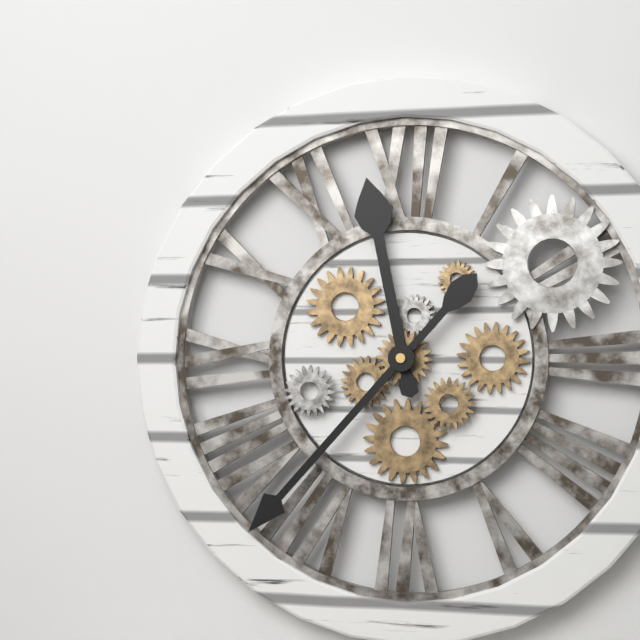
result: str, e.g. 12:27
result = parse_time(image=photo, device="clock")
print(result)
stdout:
11:37
